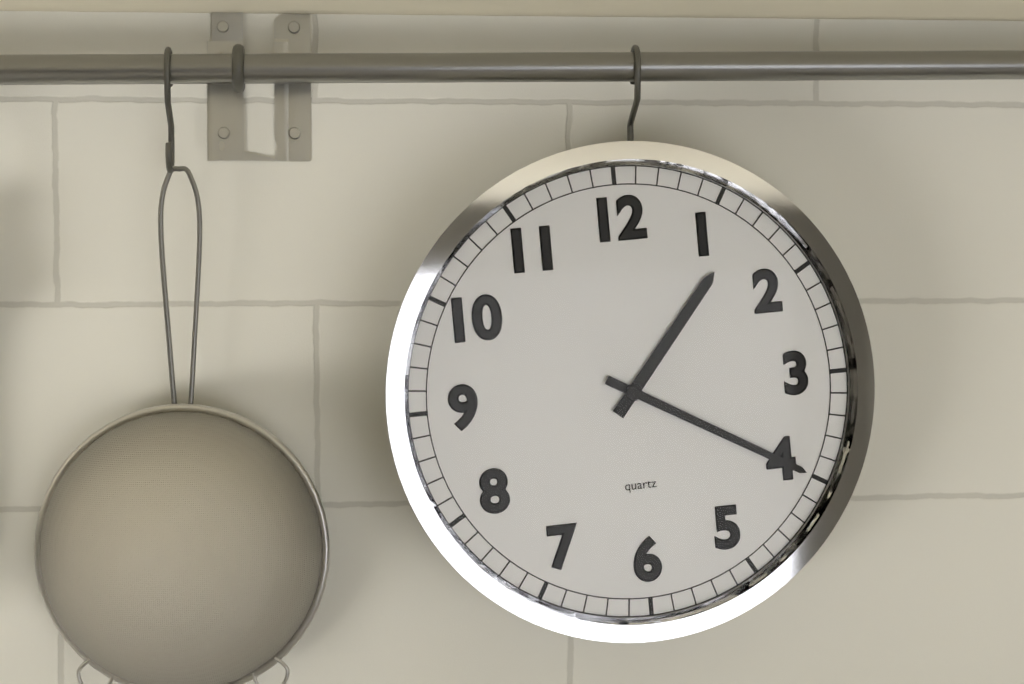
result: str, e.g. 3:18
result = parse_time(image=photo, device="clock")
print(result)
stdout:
1:20
